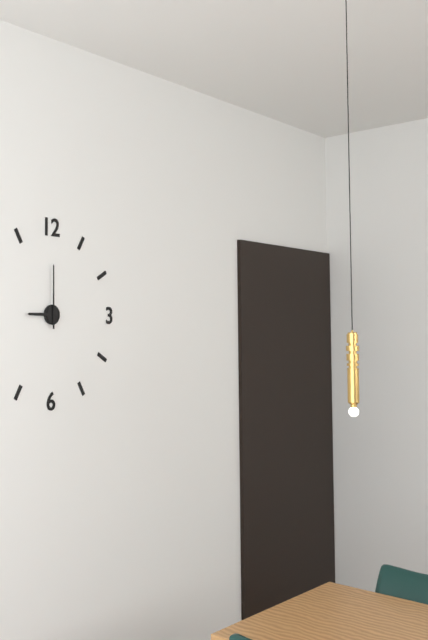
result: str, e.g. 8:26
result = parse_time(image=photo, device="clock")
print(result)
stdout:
9:00
